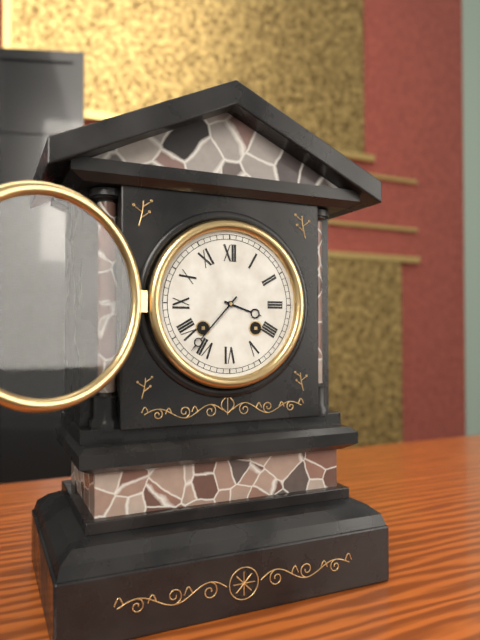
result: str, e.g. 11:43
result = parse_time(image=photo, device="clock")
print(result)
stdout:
3:37
